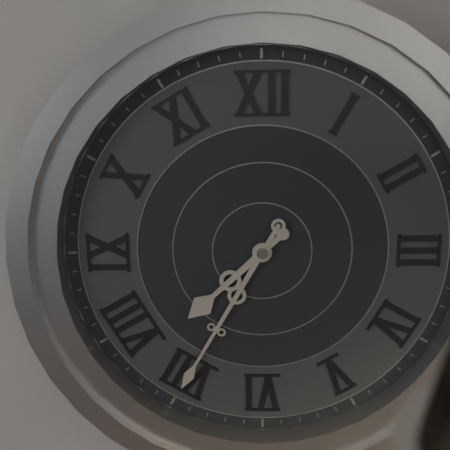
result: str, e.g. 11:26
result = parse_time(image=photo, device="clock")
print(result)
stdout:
7:35
